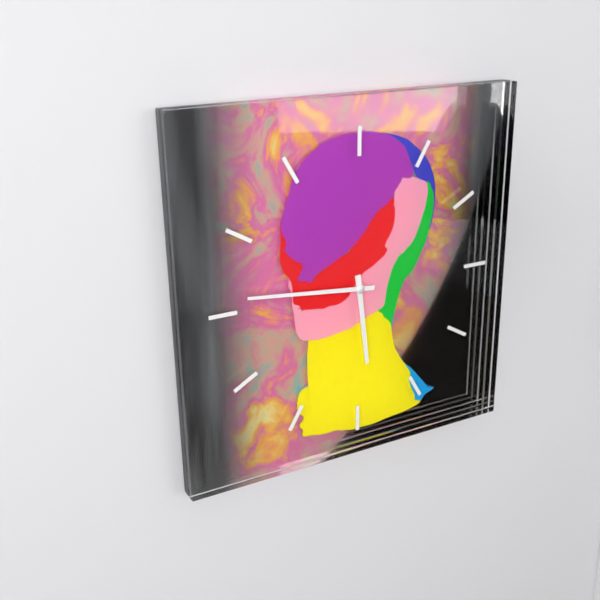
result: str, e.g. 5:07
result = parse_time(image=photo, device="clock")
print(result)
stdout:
5:46
